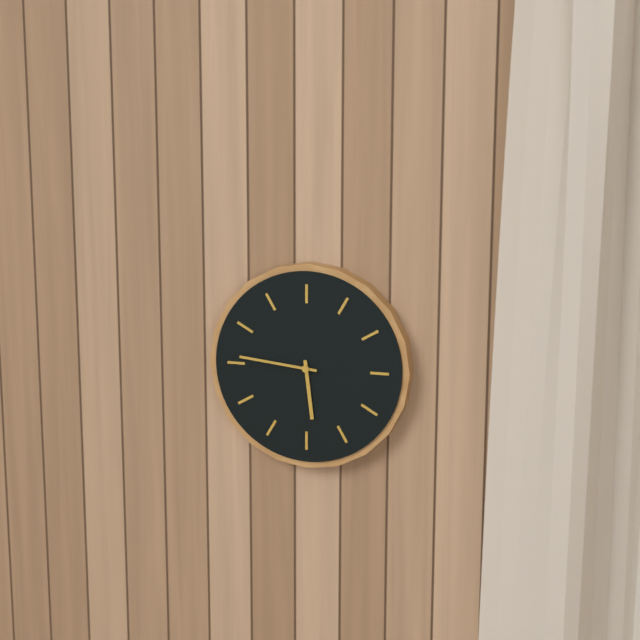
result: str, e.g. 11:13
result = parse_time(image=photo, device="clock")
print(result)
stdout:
5:46
